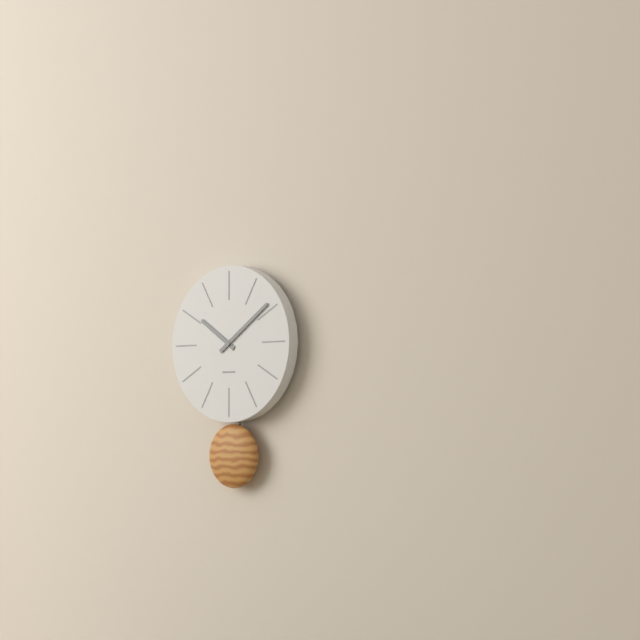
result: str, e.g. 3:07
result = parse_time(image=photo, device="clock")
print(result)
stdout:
10:09
